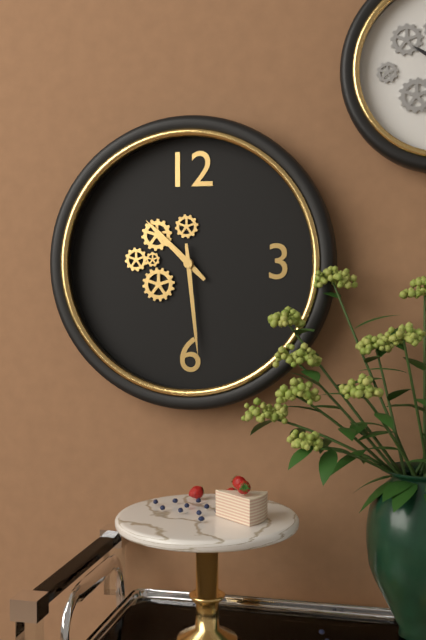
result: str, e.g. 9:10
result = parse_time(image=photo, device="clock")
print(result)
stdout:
10:29
